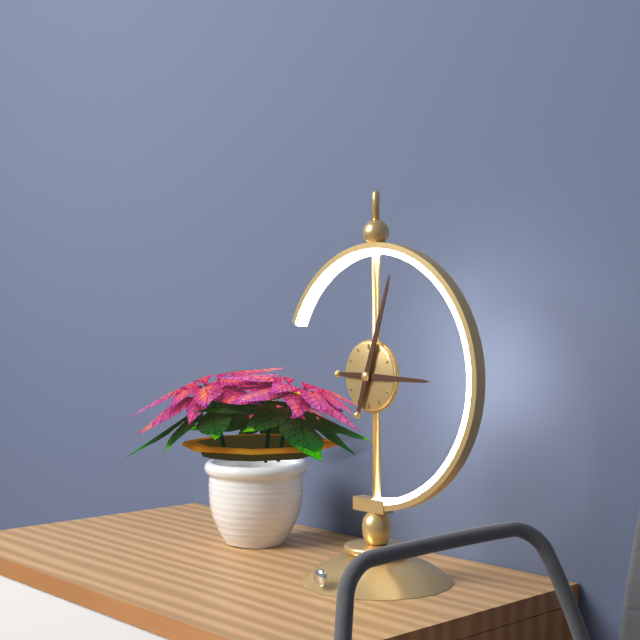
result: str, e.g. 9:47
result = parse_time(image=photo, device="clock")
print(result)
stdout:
3:03
